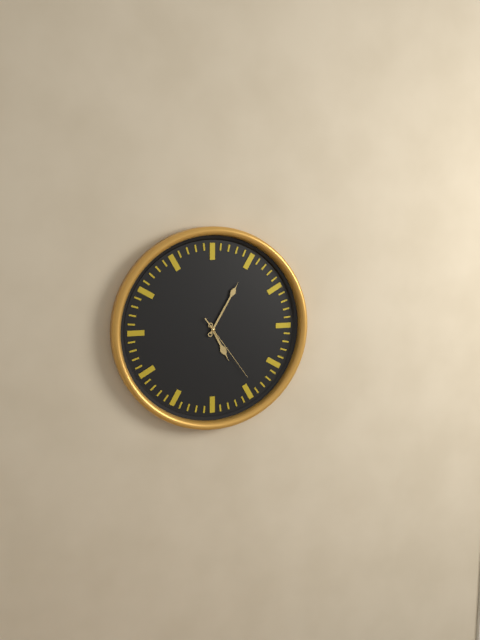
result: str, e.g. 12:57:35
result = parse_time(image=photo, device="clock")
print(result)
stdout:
5:05:24
